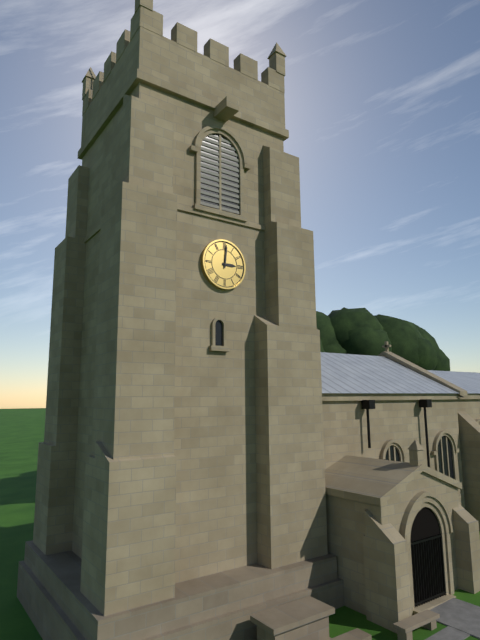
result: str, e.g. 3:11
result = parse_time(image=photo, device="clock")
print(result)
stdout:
3:01
